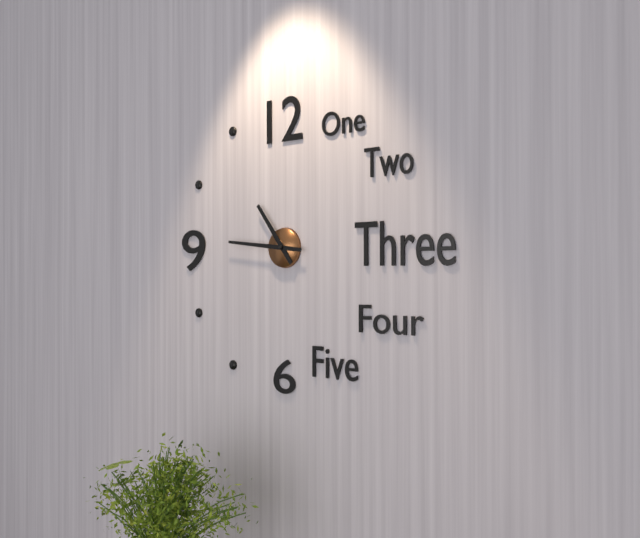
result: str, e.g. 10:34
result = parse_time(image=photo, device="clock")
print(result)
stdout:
10:46
